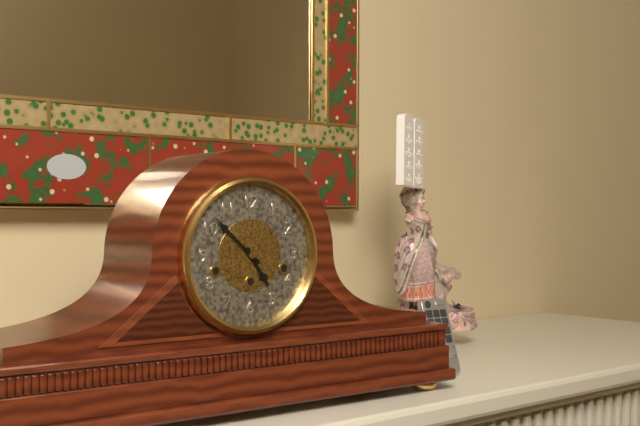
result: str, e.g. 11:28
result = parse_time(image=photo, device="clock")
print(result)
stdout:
4:52
